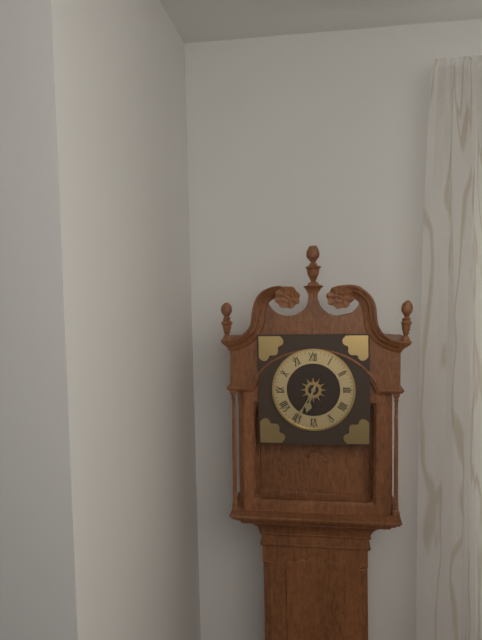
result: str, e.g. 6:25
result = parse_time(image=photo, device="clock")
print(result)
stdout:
6:35
